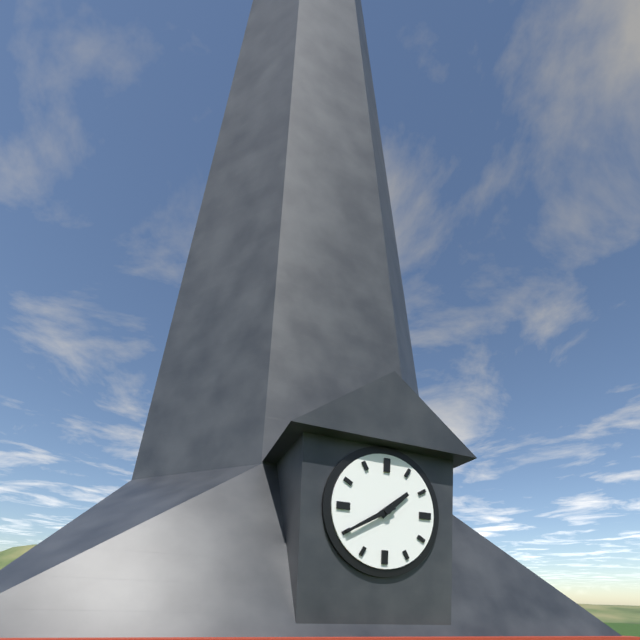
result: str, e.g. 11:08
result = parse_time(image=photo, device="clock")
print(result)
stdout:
1:40
